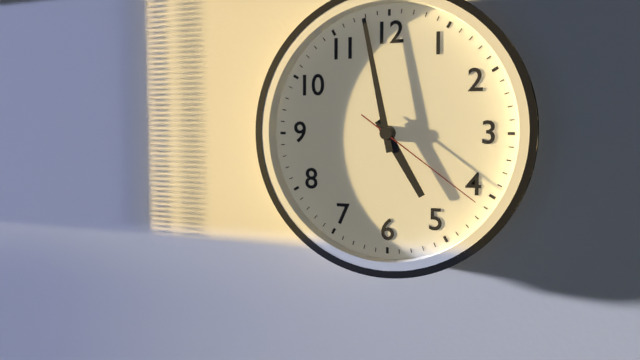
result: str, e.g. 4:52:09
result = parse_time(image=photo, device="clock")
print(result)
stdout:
4:58:21
